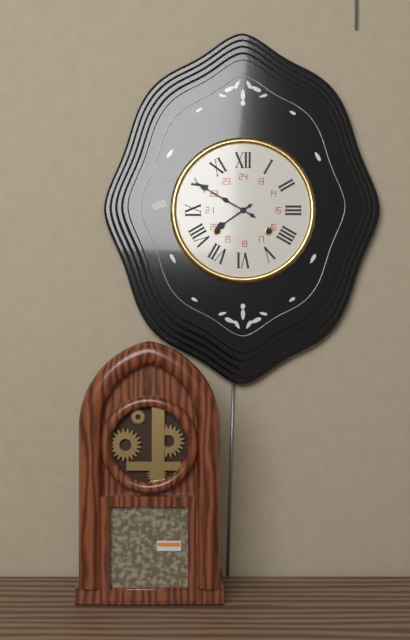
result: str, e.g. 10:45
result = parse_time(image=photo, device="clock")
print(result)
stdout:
7:50
